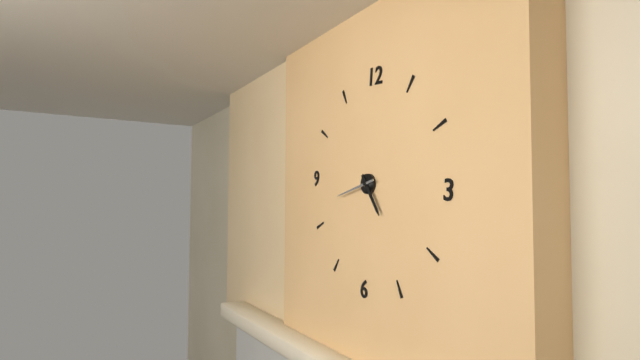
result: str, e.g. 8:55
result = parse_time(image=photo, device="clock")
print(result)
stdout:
4:42
